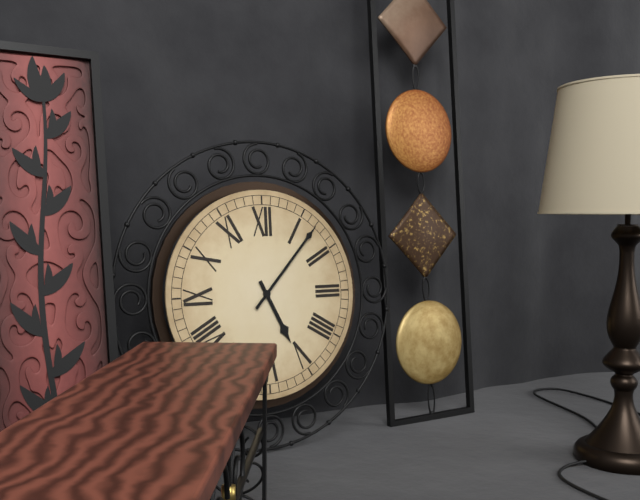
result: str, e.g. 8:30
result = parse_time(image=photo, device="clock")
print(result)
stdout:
5:07
